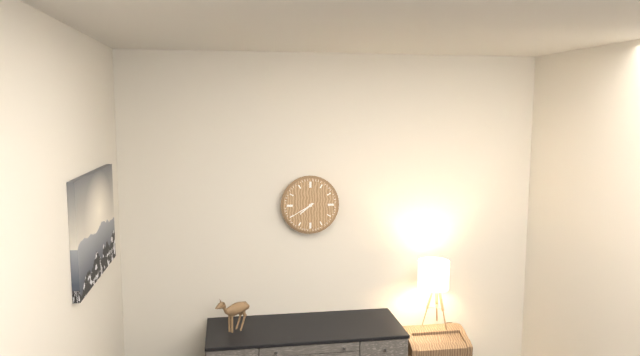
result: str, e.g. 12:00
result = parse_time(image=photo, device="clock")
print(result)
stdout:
7:40
